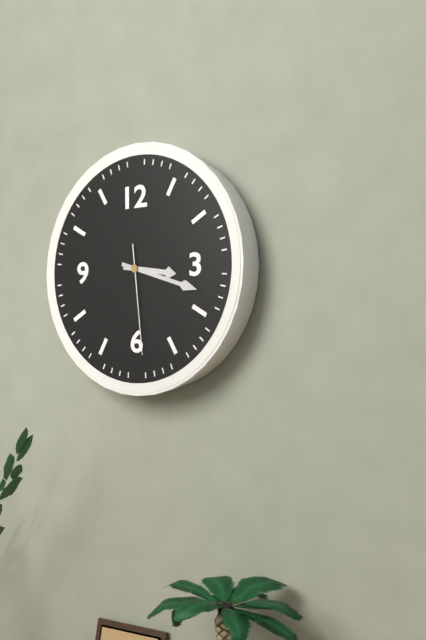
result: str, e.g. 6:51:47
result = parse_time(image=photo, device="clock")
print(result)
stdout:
3:18:29
